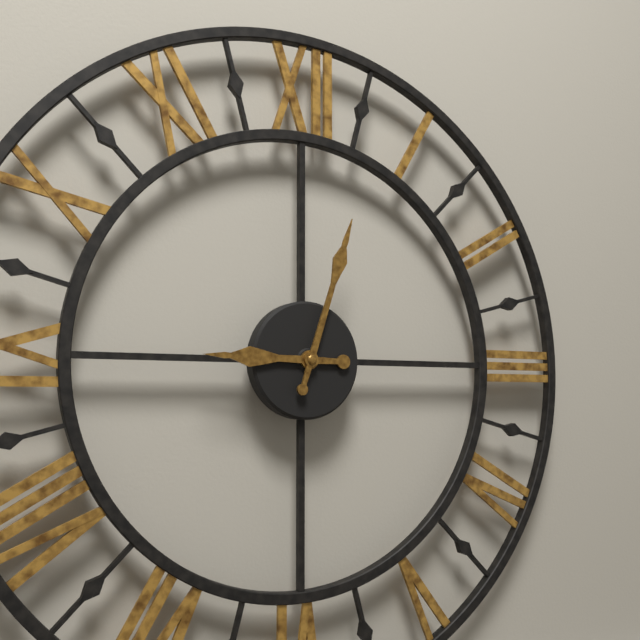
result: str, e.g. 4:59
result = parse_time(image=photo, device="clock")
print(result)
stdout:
9:03
